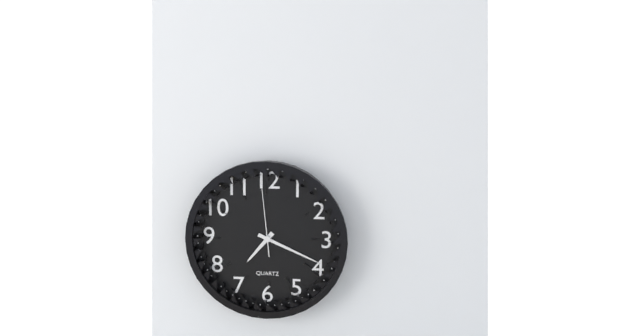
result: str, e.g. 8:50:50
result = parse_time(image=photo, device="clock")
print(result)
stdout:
7:19:59
